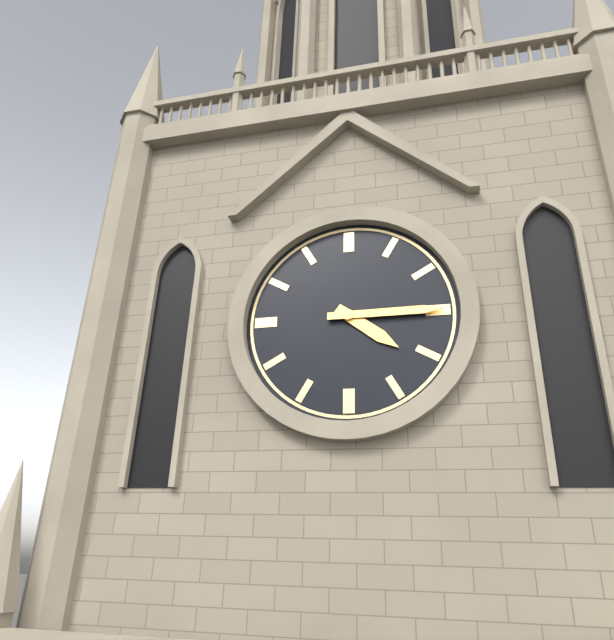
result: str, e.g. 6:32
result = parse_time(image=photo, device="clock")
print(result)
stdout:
4:15
